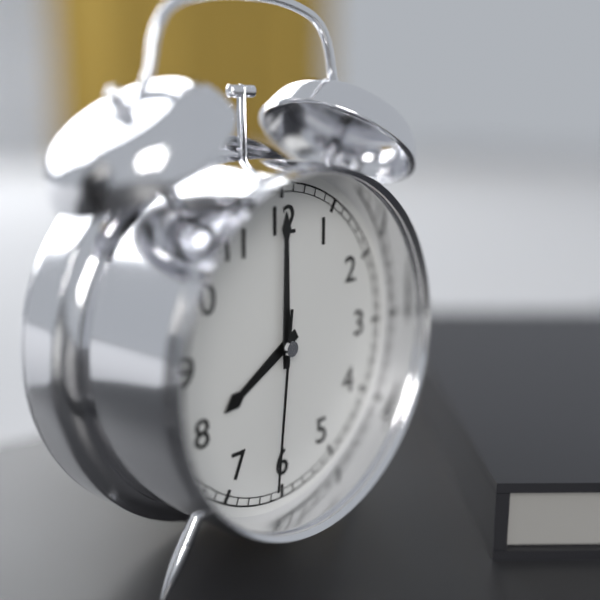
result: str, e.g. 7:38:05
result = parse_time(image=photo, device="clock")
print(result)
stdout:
8:00:31
